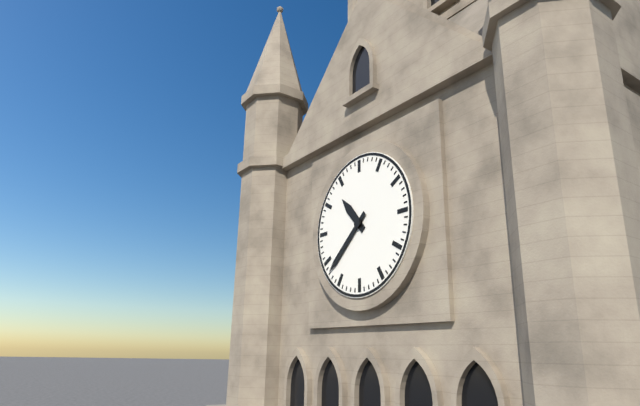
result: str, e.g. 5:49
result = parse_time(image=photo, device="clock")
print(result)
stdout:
10:38
